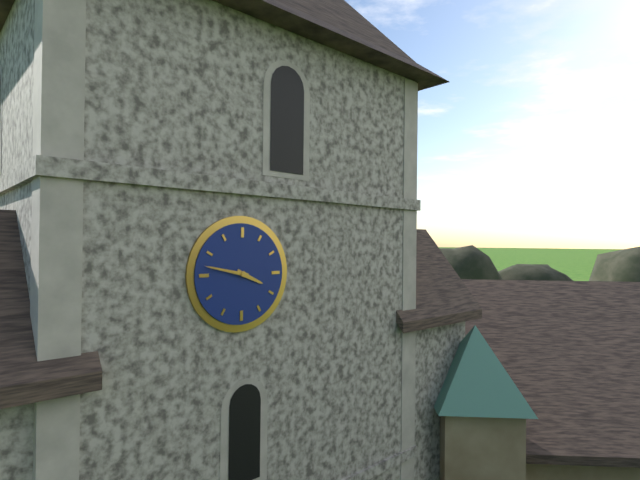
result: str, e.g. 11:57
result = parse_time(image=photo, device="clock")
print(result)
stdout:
3:47
